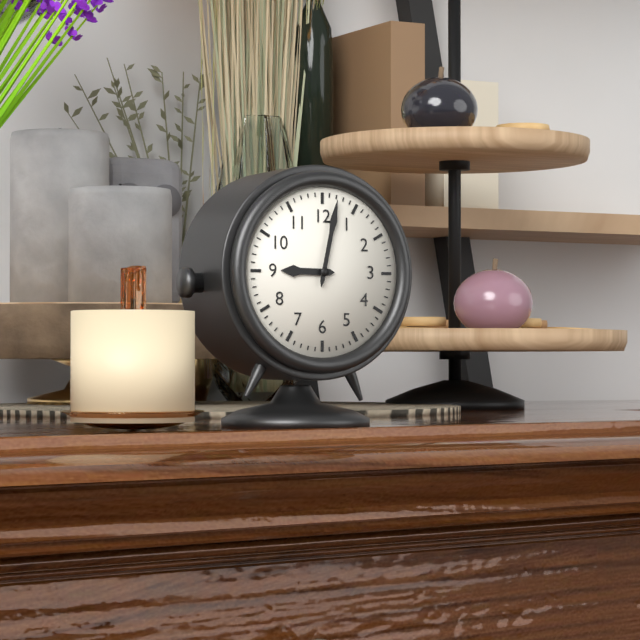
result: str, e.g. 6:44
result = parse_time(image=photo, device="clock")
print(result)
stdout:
9:02
